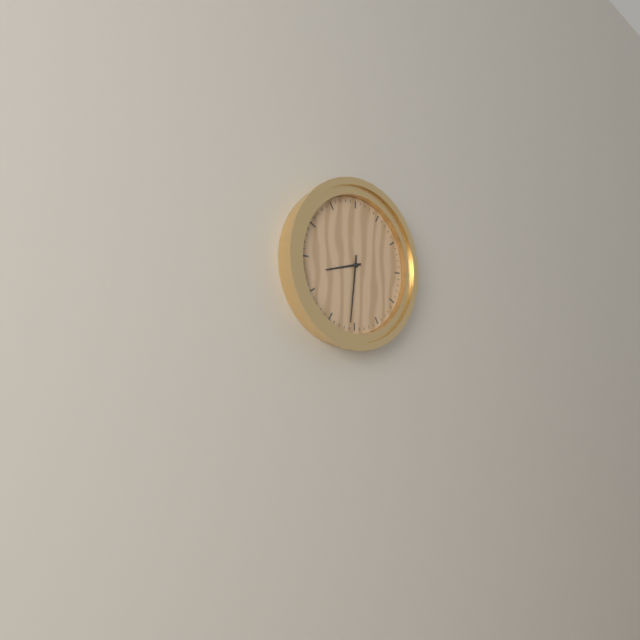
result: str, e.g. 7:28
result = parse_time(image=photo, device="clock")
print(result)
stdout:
8:31
